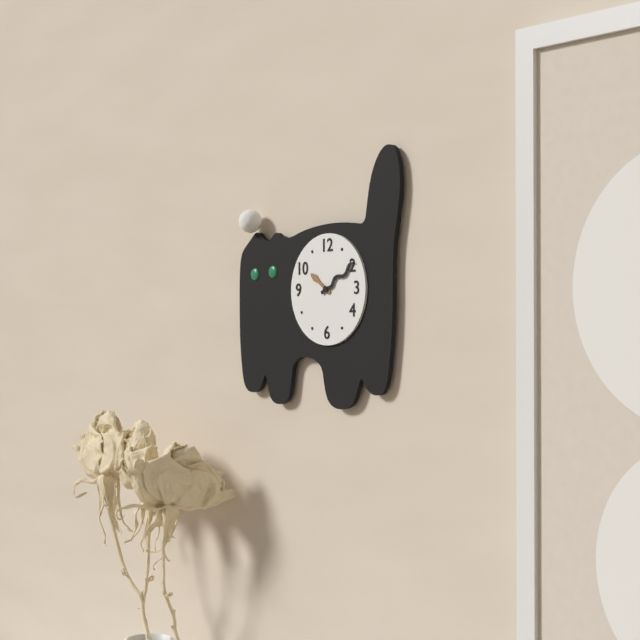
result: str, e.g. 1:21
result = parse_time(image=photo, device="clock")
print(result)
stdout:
10:10
